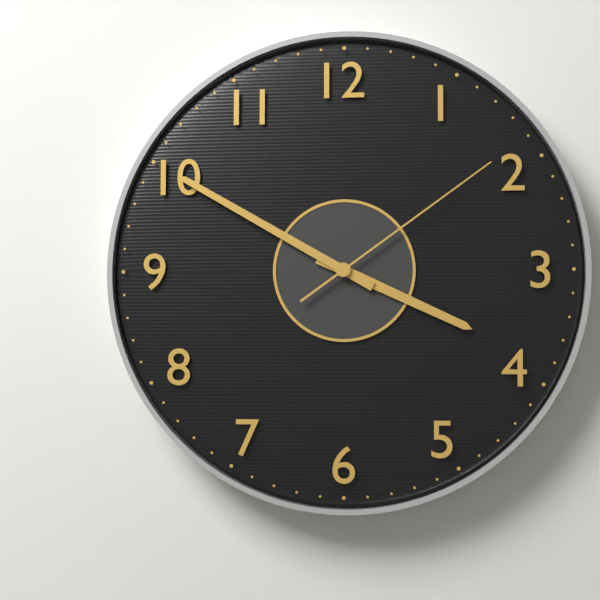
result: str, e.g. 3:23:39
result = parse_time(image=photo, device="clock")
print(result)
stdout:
3:50:09
